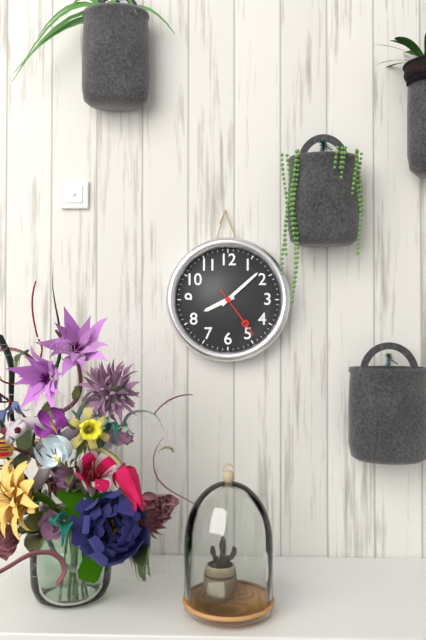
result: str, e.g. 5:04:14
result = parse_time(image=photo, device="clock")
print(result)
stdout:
8:08:24
